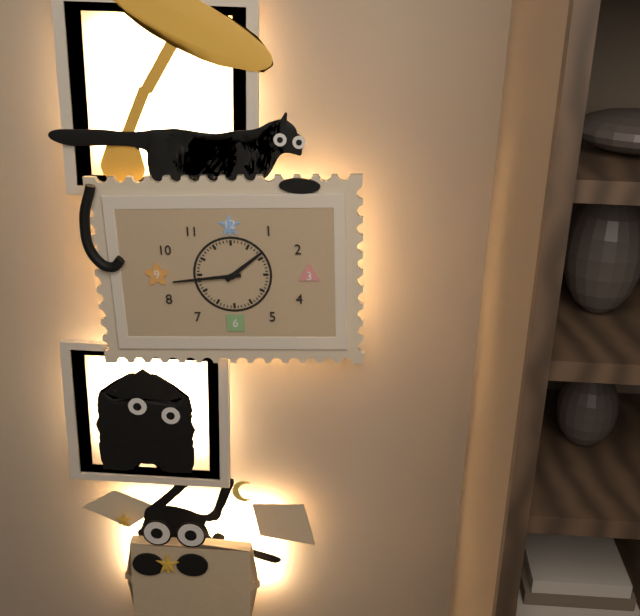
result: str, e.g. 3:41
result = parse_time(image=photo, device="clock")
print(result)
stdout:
1:44
